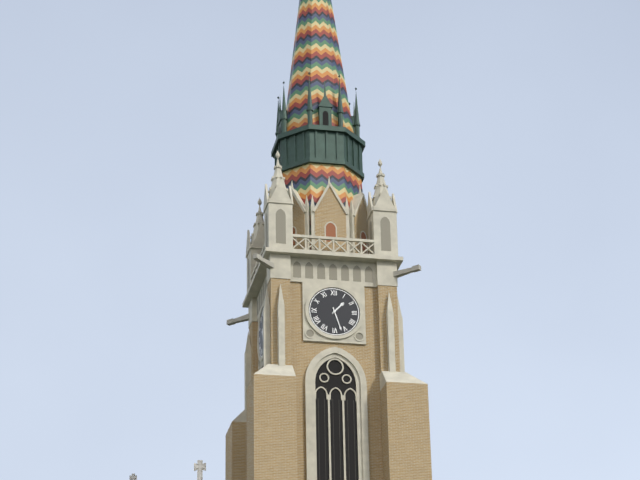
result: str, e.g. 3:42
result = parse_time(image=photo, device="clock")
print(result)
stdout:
1:27
